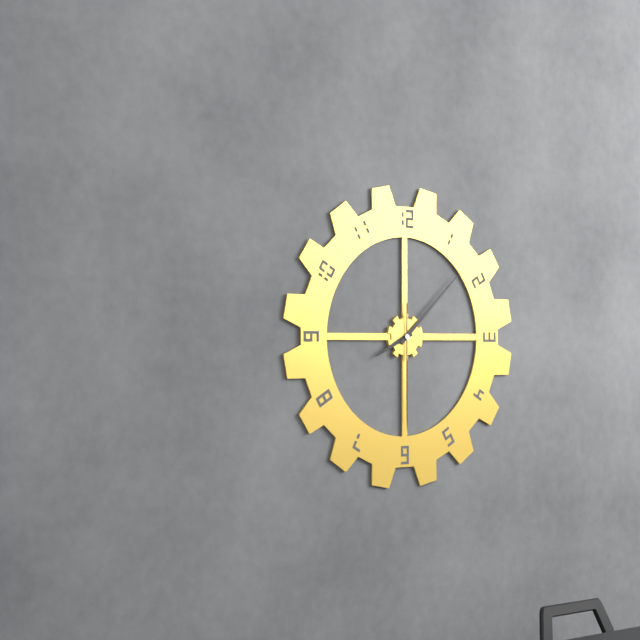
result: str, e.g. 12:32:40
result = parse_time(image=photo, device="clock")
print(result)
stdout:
8:08:30
